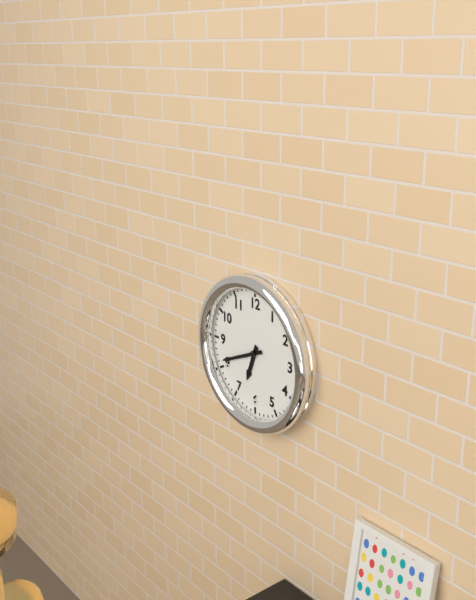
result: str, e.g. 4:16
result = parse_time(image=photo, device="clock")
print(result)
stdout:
6:41
